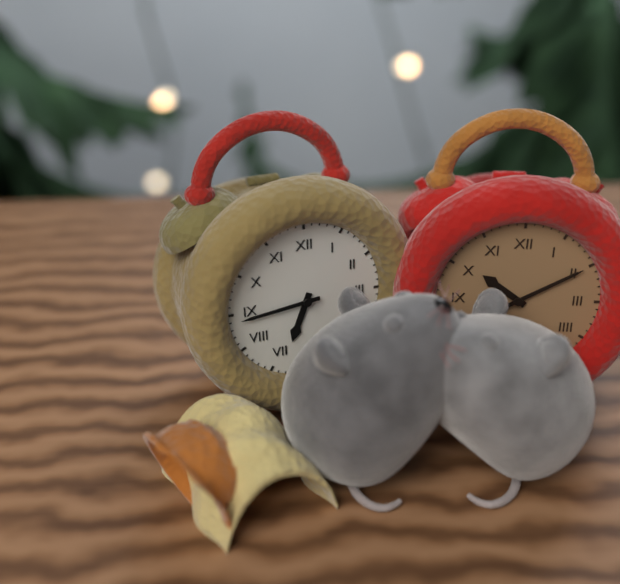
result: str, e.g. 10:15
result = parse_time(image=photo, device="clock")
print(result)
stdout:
6:44
